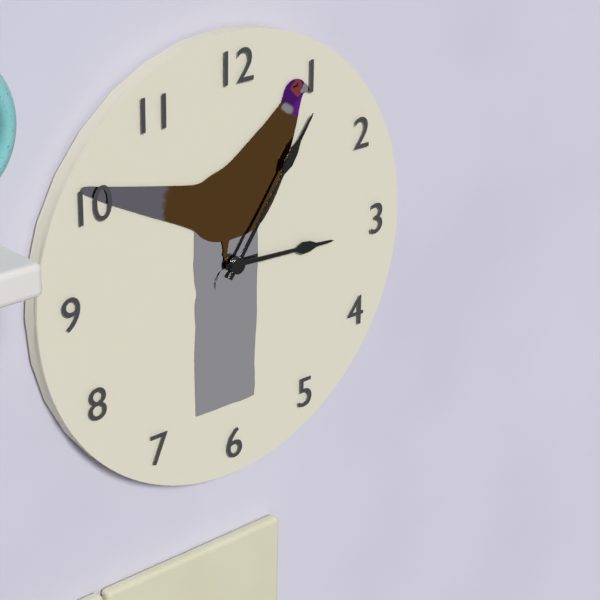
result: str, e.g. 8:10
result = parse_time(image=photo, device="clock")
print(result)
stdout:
3:06
